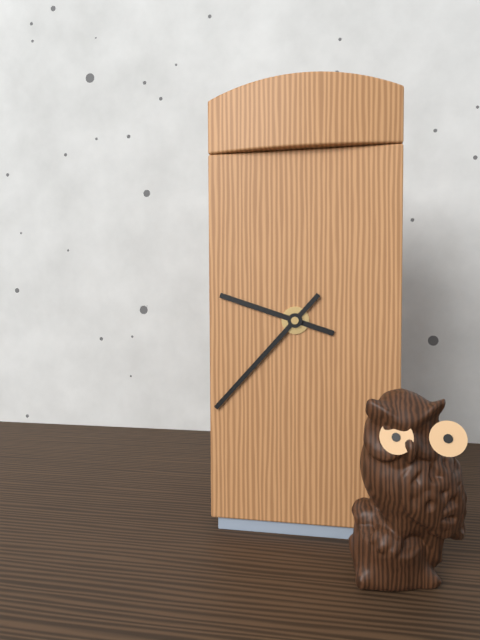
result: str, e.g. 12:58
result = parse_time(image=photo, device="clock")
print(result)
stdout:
9:37
